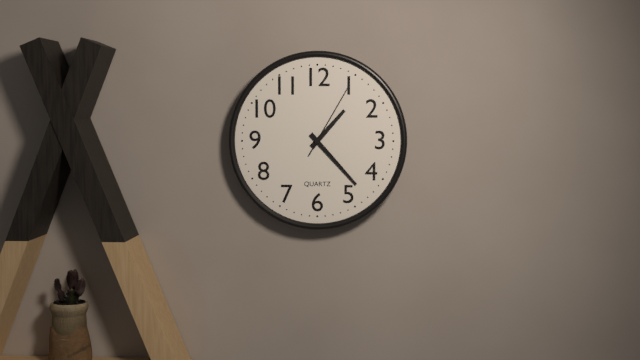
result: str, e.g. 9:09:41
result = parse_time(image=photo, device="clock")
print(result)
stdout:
1:23:05
